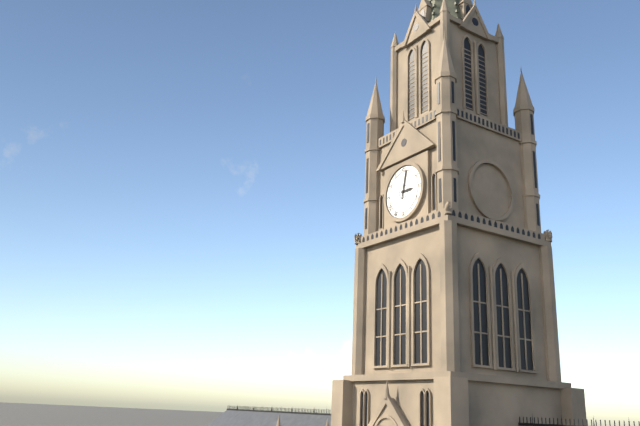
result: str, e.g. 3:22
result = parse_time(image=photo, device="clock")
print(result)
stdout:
3:02
